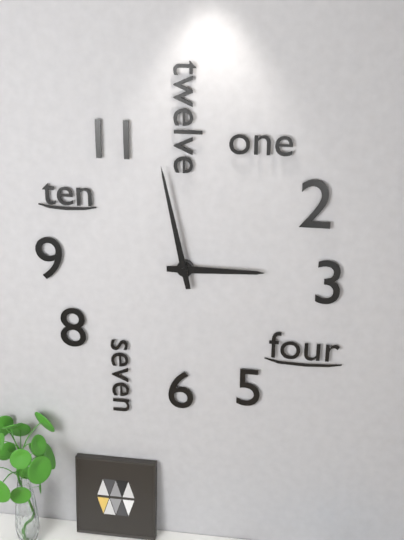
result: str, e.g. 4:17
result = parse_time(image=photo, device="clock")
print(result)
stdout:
2:58
